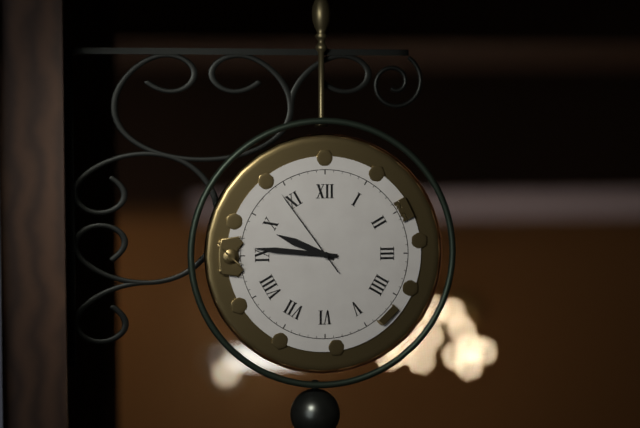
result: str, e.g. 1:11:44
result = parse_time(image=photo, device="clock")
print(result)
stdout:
9:46:54
